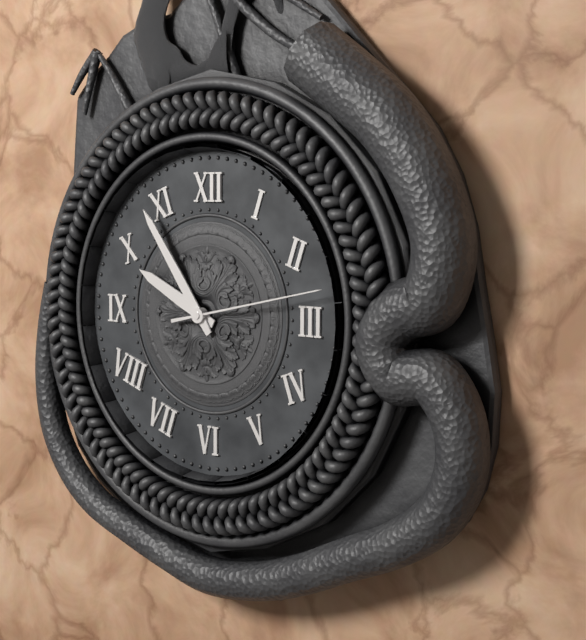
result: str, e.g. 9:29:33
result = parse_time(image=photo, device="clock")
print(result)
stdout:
9:54:13
